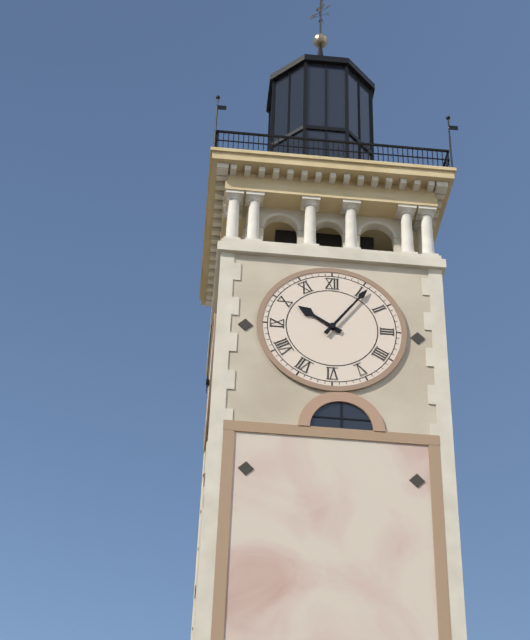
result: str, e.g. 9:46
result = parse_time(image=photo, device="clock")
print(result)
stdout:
10:06
